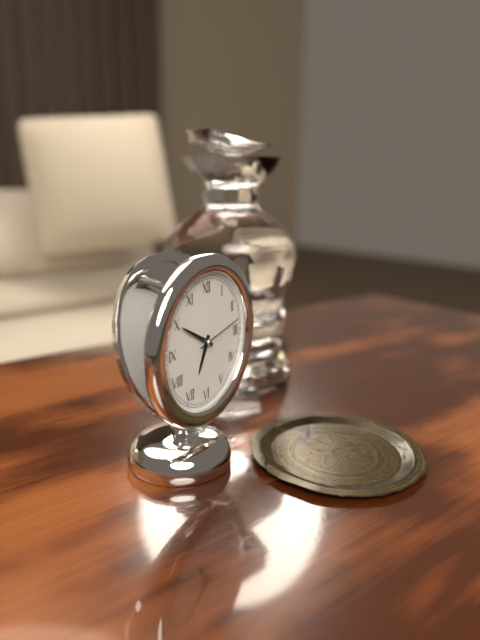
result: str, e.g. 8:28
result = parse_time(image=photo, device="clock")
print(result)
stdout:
6:50
